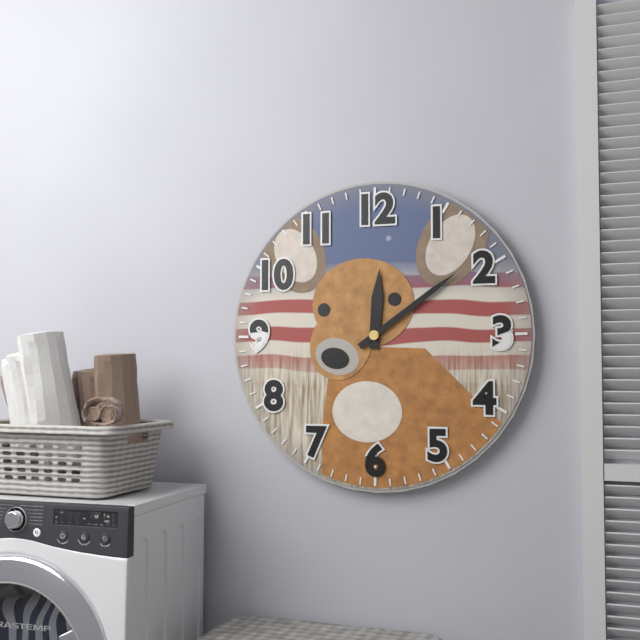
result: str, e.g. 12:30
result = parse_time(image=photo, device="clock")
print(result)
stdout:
12:09
